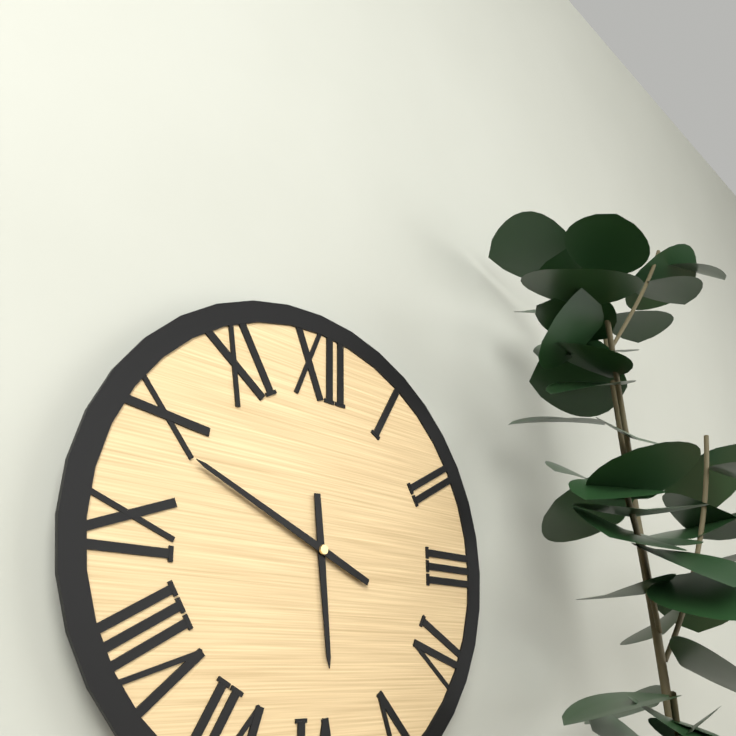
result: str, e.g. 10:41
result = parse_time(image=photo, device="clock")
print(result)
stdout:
5:49
